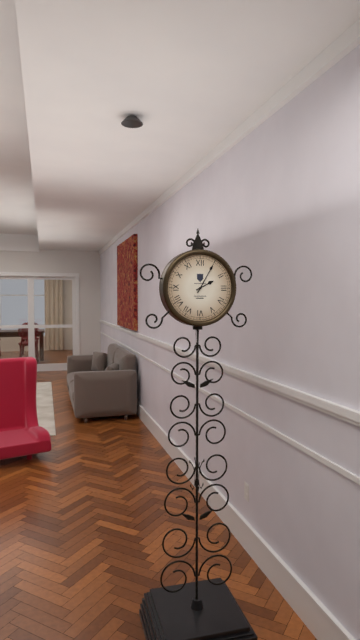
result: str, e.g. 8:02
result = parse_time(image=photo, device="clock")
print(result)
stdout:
2:05
